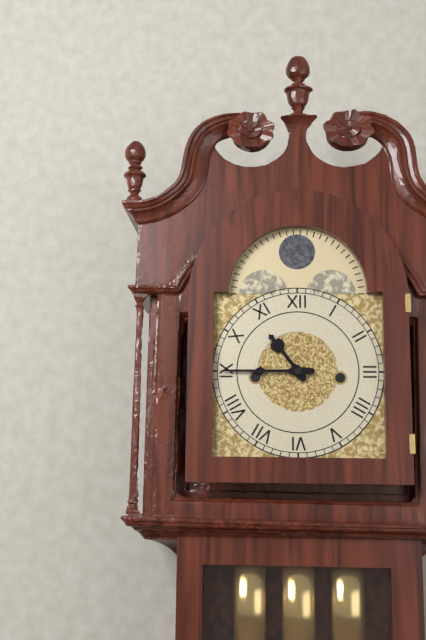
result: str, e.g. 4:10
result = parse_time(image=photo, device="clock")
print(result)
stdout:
10:45
